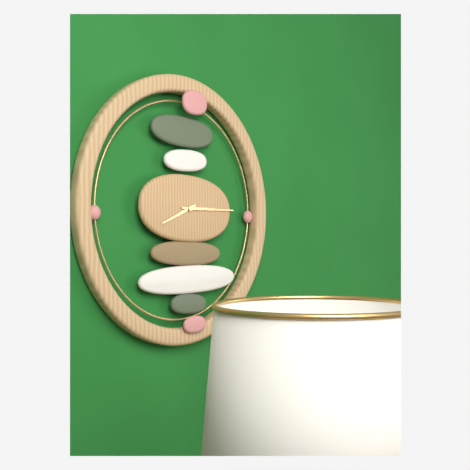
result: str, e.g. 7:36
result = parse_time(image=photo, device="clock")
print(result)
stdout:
8:15
